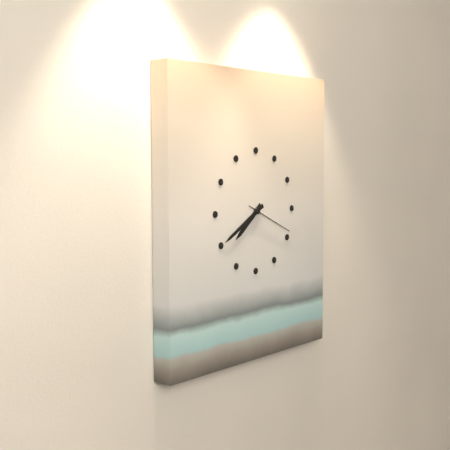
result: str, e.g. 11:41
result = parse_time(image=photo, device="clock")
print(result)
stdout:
7:40
